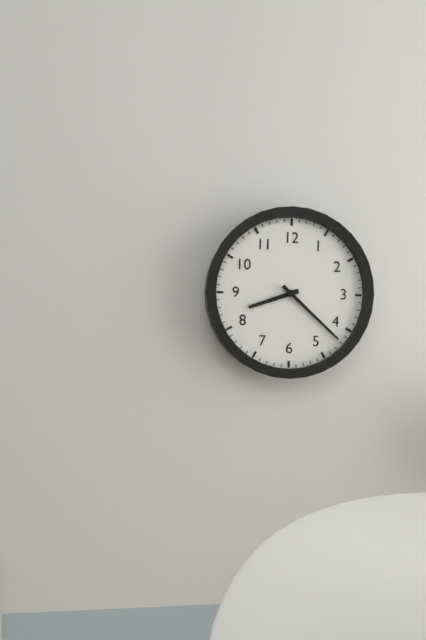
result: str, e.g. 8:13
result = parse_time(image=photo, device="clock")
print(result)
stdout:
8:22
